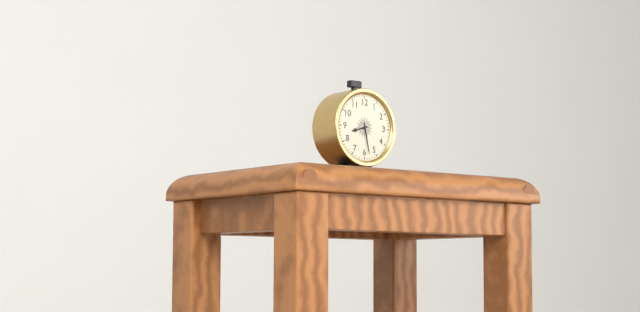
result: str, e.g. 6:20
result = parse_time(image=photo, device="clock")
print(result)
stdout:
8:28
